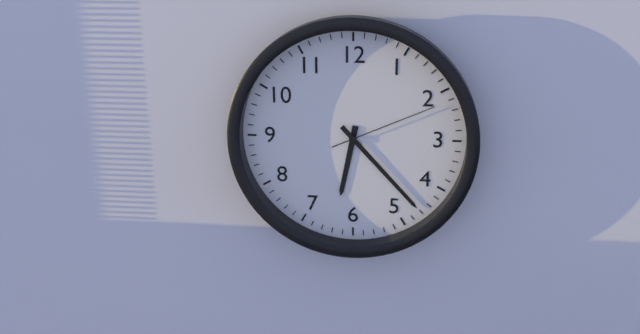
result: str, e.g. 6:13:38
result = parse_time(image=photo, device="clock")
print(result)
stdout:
6:23:11
